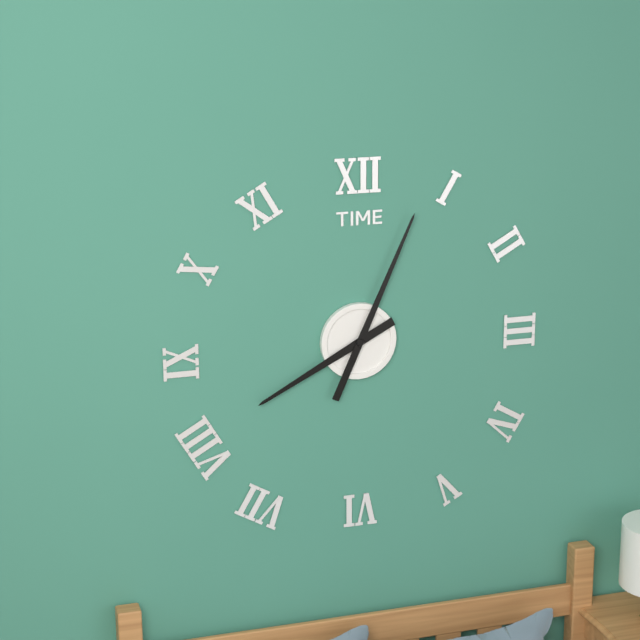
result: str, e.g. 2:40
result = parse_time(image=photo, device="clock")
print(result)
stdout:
8:04
